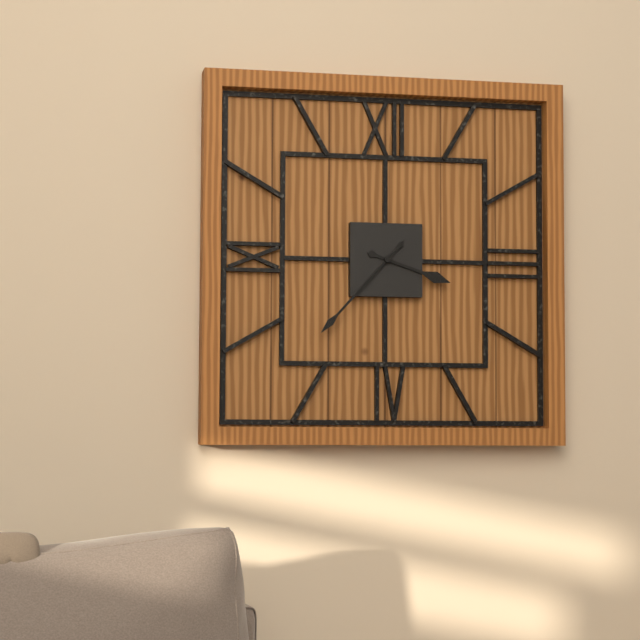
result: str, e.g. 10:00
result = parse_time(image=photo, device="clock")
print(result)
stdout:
3:37
